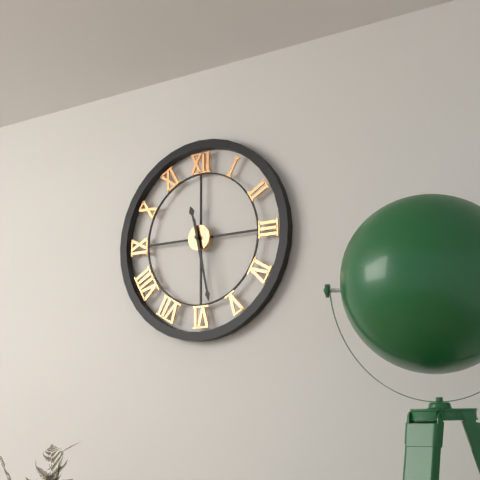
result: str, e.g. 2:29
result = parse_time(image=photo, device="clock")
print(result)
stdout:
11:28
